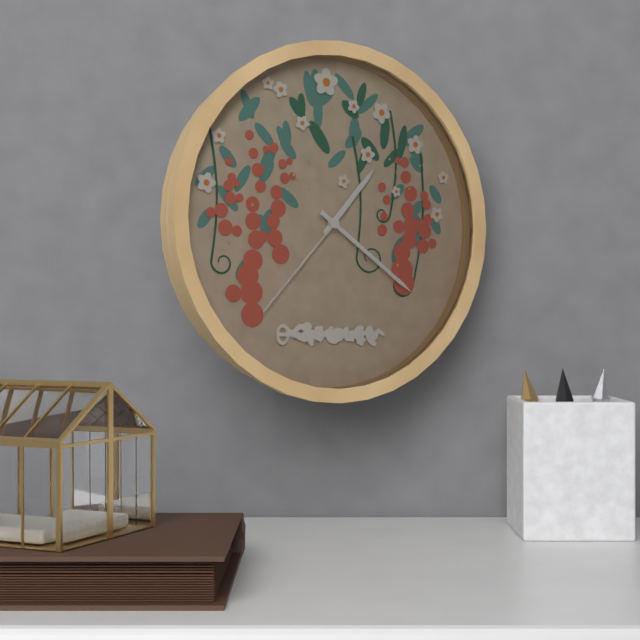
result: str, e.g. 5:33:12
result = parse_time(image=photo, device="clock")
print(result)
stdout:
1:21:37
